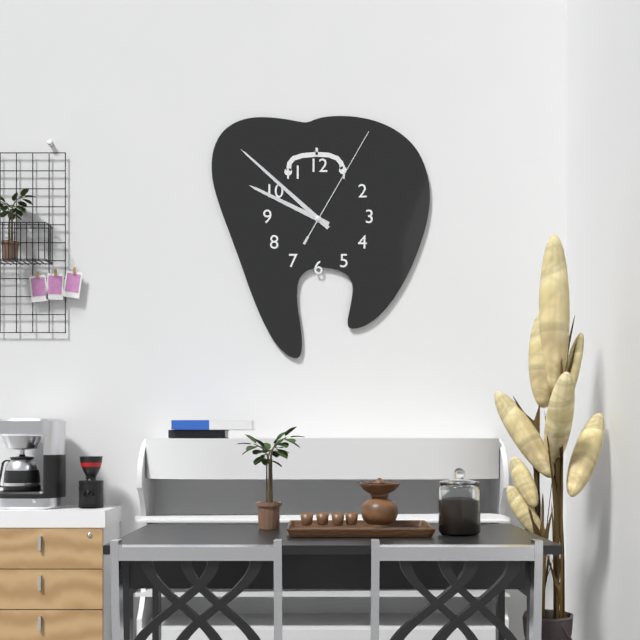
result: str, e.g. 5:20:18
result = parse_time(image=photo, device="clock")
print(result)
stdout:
9:52:05
